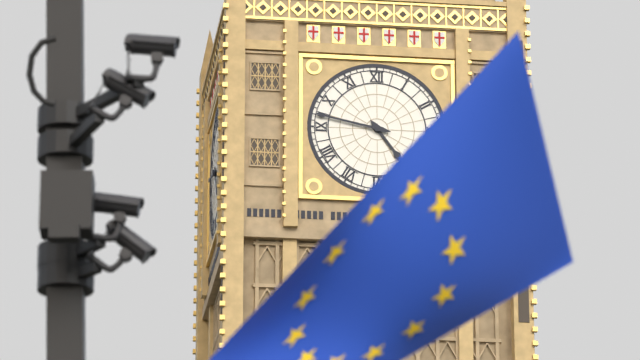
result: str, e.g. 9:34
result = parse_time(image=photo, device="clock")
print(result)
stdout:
4:47
